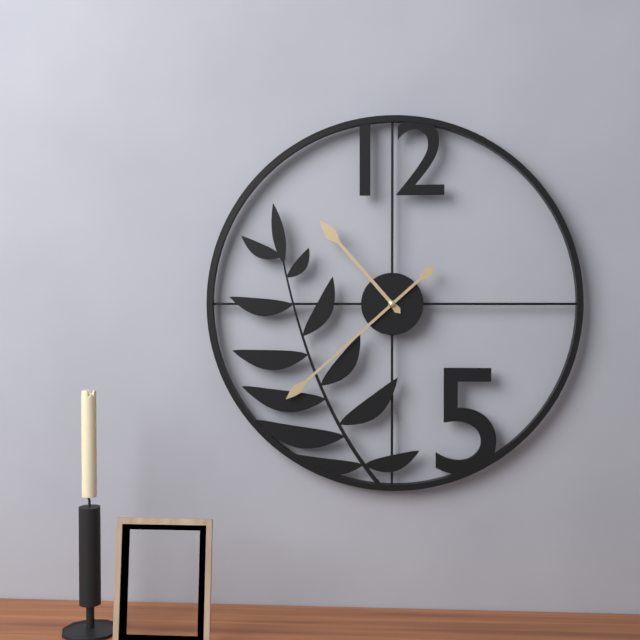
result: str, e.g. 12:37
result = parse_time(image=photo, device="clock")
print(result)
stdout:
10:38
